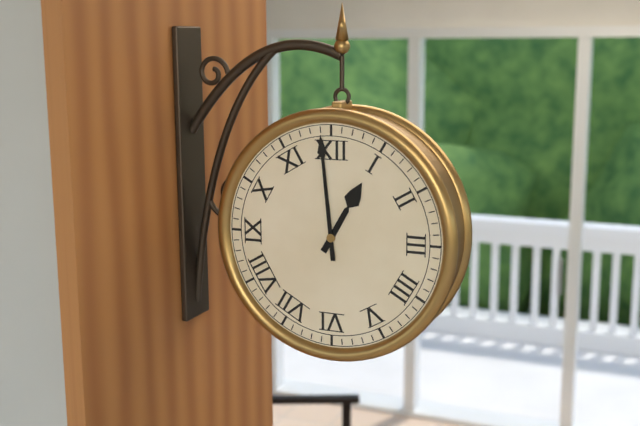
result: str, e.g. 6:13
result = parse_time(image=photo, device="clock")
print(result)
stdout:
12:59
